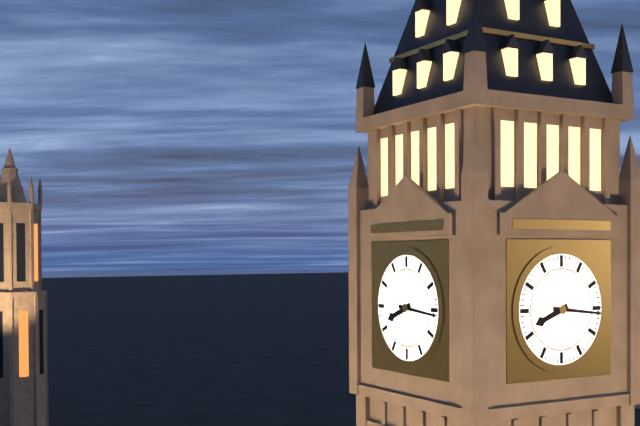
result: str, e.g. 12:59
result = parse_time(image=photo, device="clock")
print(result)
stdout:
8:16
